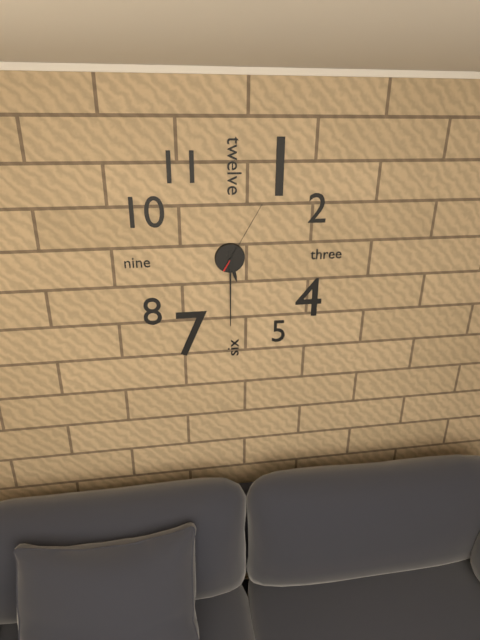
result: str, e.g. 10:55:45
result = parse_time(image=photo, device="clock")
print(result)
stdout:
5:30:05
